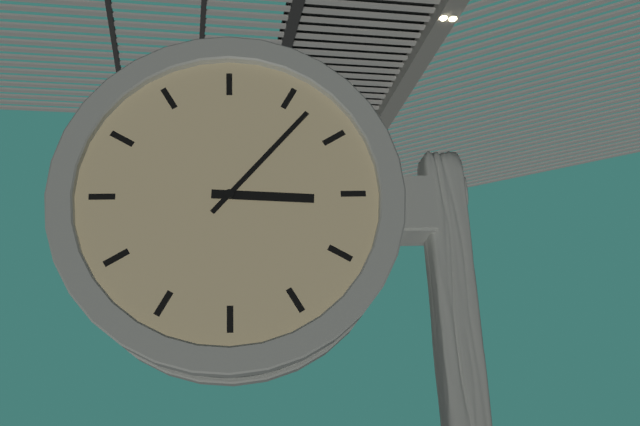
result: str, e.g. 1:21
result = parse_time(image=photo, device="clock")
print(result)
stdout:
3:07
